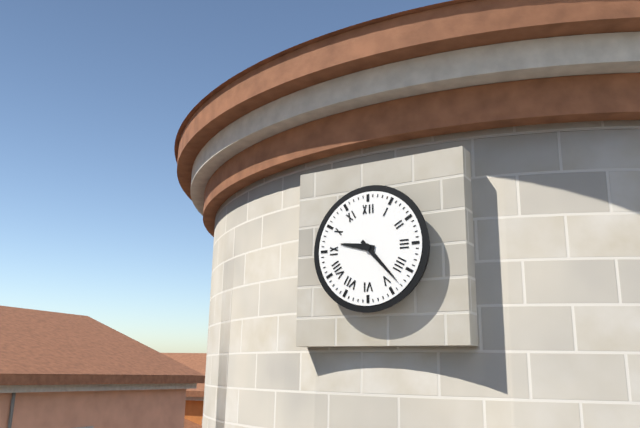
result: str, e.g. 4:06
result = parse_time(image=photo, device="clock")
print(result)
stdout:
9:23
